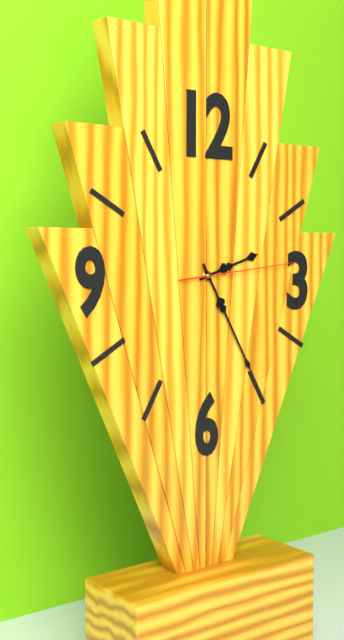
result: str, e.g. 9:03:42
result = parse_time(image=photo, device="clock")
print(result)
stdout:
2:25:14
